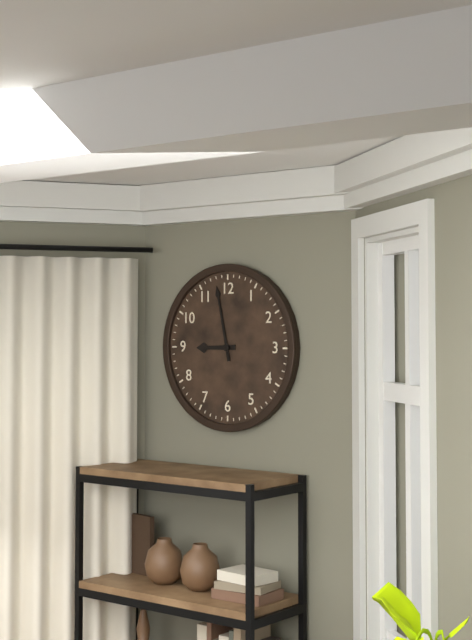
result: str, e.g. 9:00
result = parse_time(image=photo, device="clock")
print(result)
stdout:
8:58
